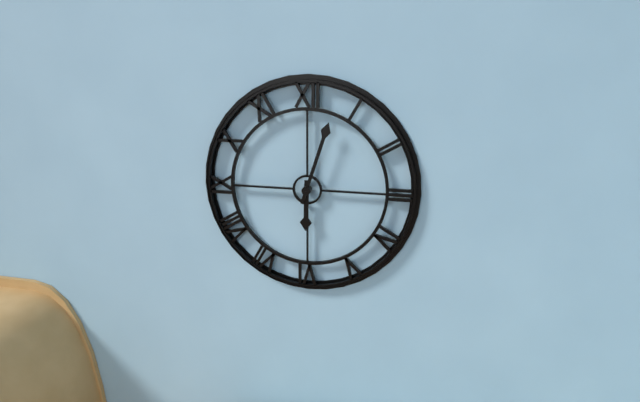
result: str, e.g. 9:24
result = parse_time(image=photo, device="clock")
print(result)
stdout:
6:03
